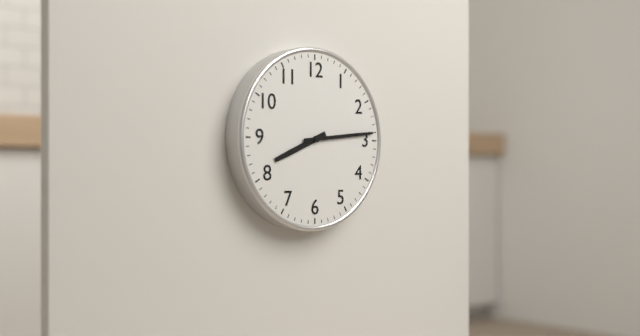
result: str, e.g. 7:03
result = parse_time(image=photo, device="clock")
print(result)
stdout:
8:14
